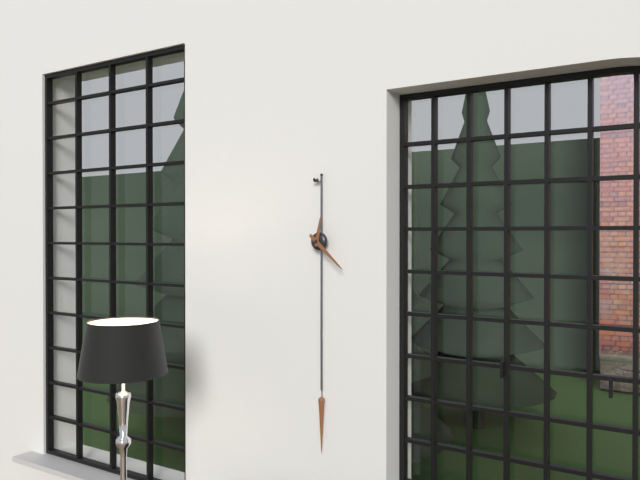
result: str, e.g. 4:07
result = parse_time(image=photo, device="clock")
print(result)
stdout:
12:22
